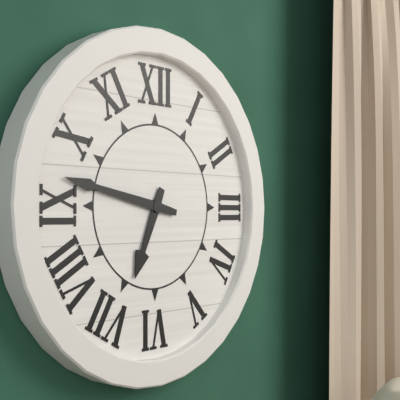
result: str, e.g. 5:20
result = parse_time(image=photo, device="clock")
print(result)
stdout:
6:47
